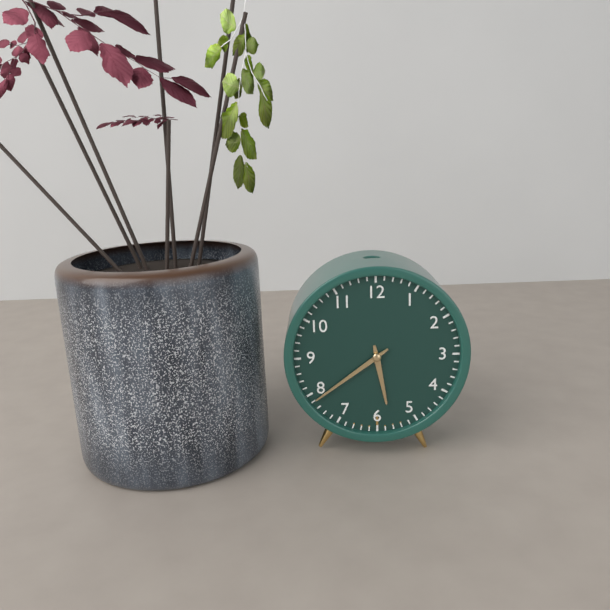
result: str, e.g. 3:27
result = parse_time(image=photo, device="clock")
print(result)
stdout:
5:39
